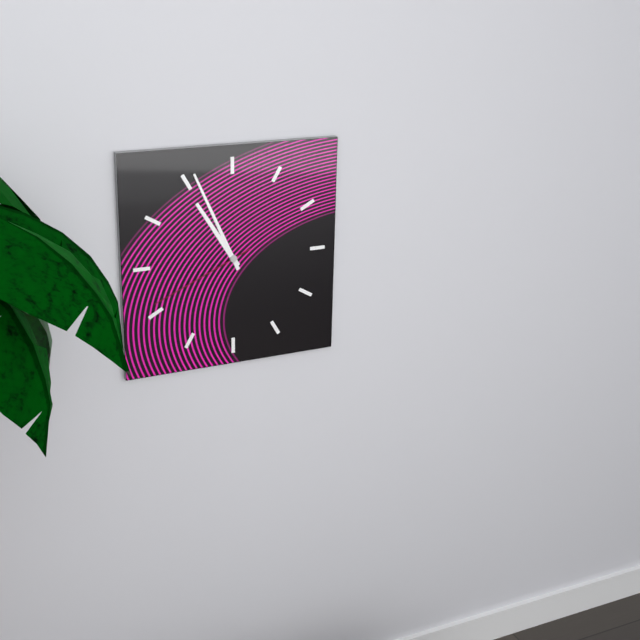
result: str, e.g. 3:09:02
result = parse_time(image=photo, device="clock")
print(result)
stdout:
10:56:41
